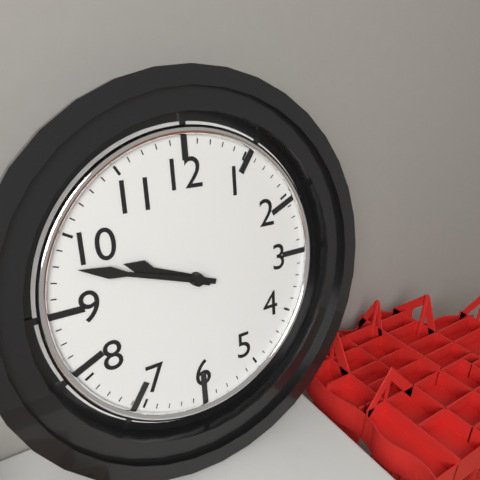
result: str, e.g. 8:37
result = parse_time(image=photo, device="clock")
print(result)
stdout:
9:48
